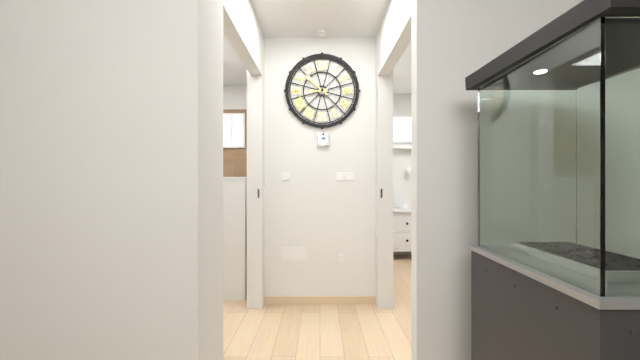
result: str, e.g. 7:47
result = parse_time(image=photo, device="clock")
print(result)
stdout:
8:52
